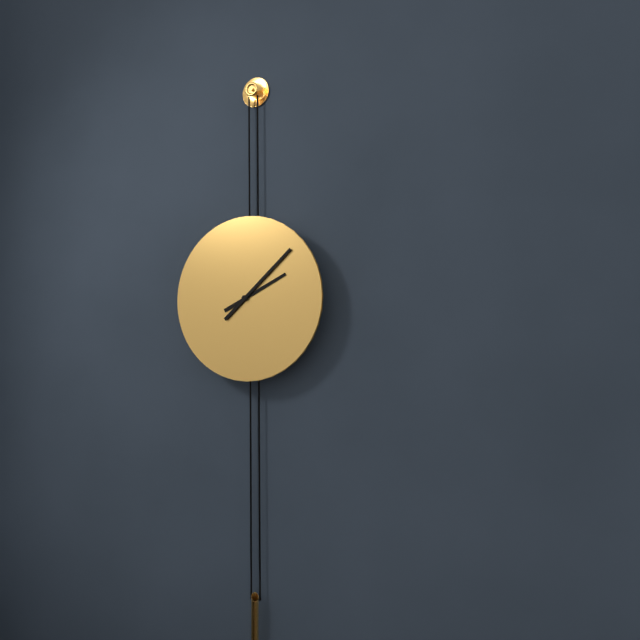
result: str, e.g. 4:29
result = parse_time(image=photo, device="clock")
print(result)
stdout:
2:08
